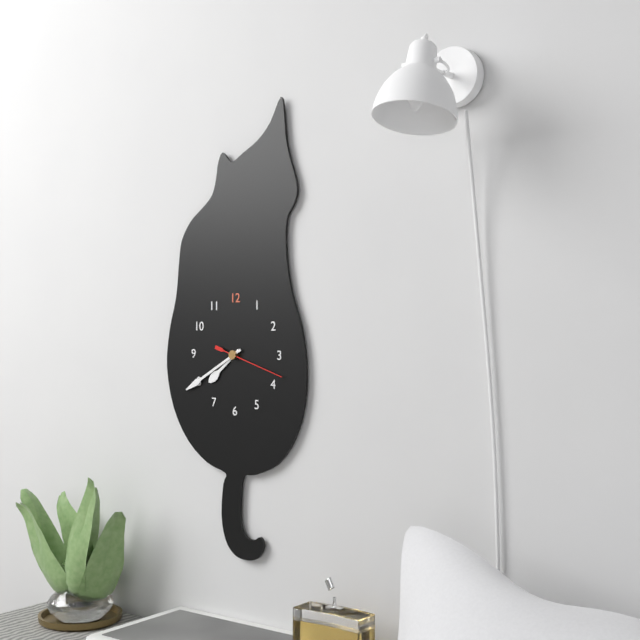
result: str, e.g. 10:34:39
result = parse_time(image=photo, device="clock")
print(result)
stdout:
7:40:18
